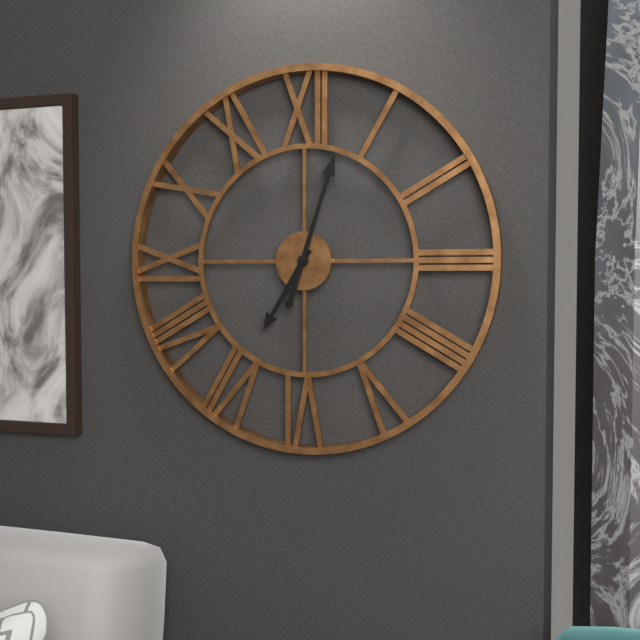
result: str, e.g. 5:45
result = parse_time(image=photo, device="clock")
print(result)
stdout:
7:03
